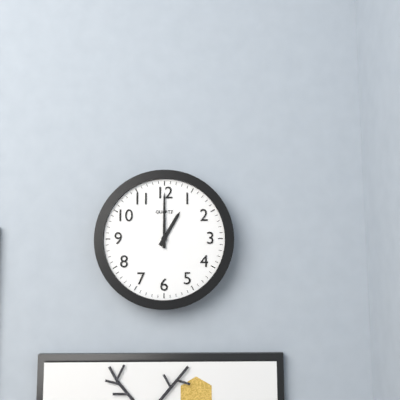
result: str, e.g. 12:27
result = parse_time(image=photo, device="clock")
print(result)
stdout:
1:00
